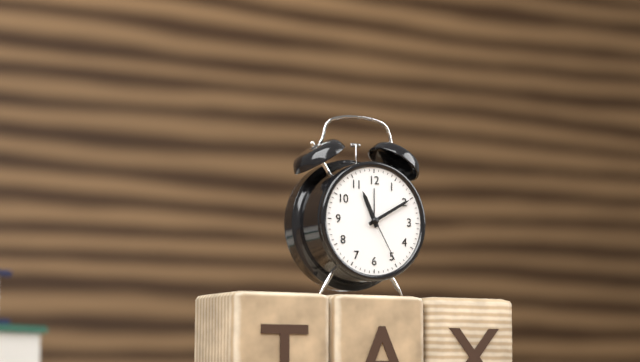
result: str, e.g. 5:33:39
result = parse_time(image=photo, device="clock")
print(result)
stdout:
11:10:25
